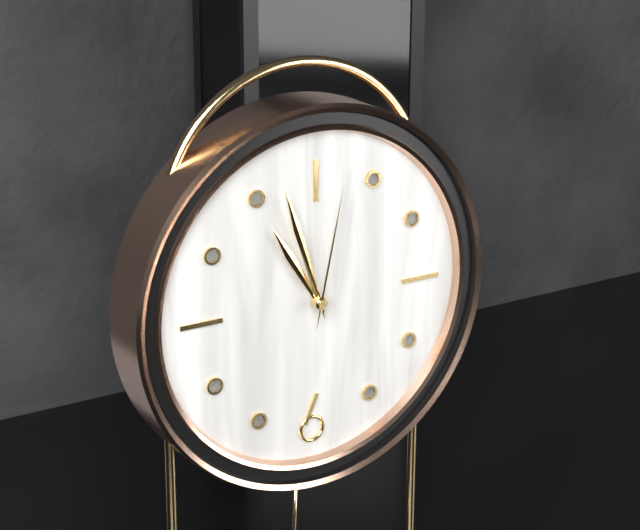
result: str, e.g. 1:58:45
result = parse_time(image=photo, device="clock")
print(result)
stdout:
10:57:02
